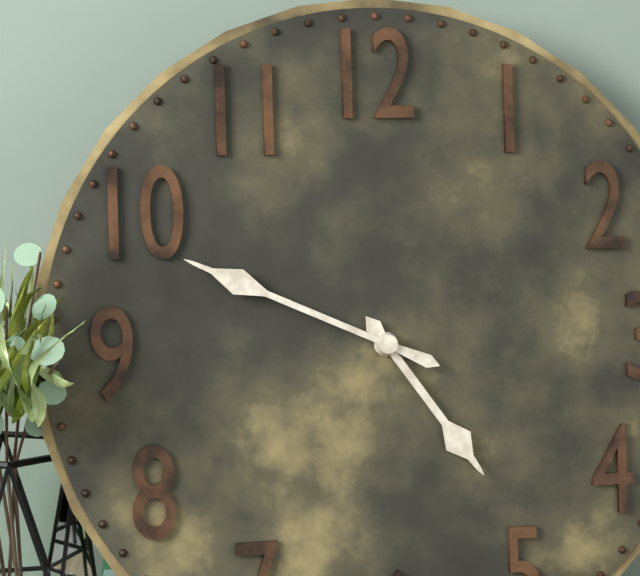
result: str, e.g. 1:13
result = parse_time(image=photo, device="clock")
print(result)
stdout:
4:49
